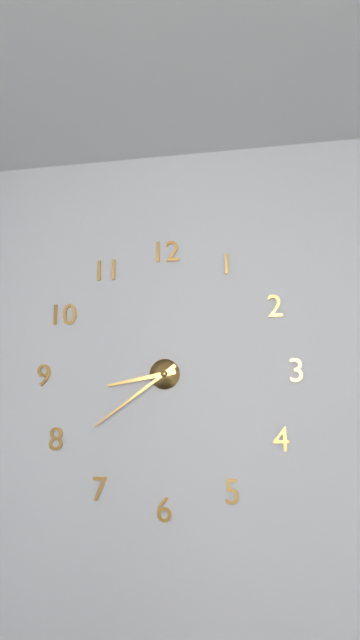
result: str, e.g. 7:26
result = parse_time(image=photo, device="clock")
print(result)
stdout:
8:39
